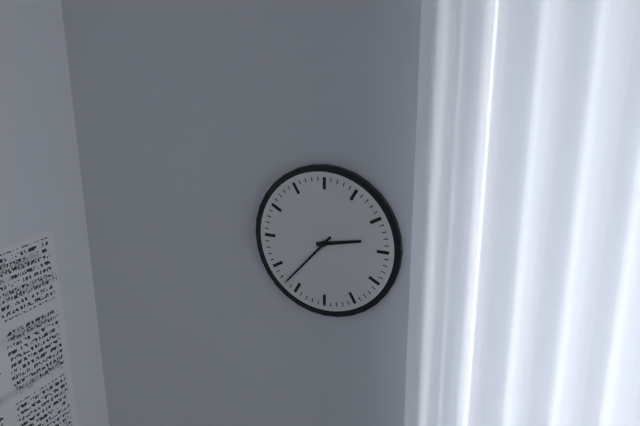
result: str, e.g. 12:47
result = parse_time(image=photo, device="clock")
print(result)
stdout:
2:37
